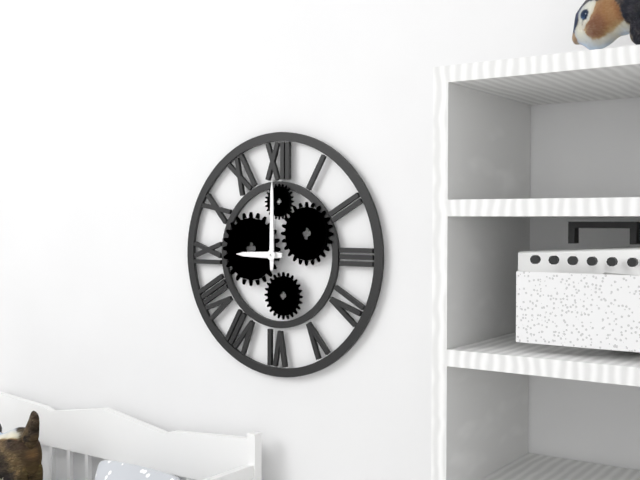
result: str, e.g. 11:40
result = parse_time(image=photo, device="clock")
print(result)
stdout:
9:00
